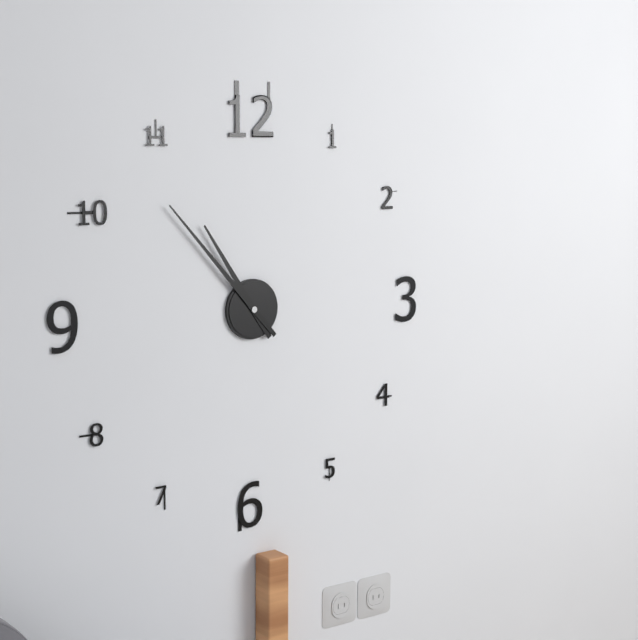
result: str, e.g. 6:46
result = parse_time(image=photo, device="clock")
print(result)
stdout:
10:53
